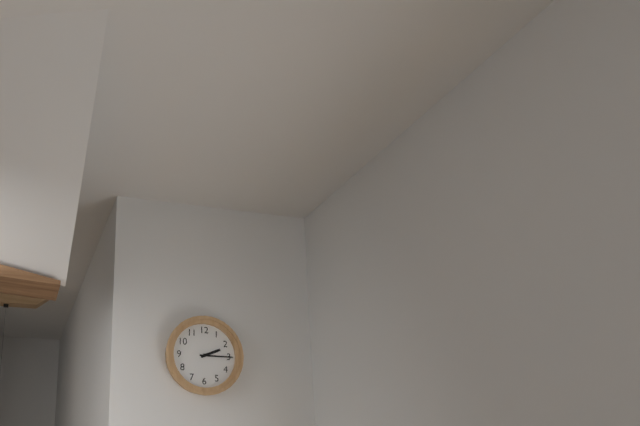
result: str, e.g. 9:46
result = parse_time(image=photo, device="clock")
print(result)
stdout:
2:15
